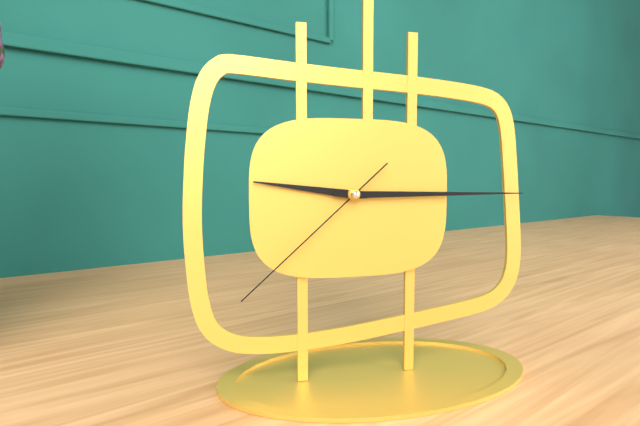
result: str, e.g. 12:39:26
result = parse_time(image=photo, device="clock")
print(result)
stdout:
9:15:38
